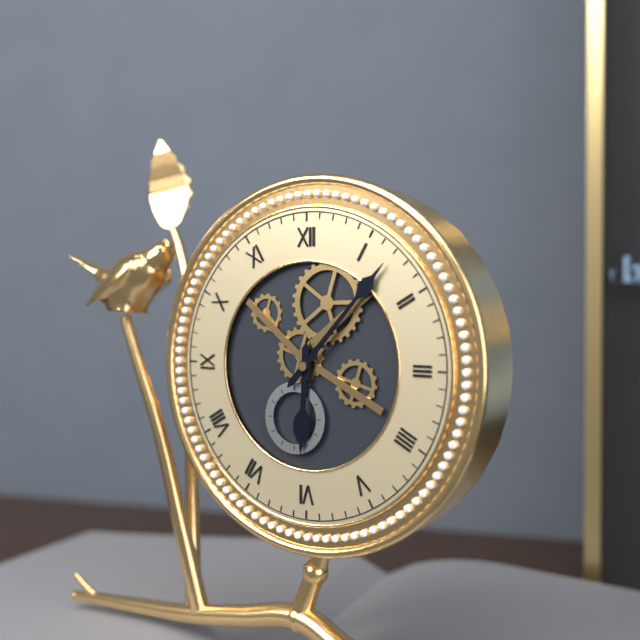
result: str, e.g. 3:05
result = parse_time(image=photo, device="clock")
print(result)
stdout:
6:07
